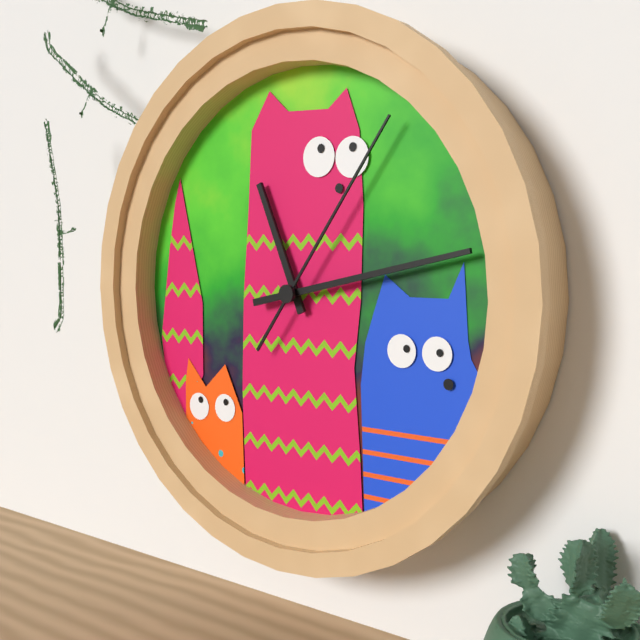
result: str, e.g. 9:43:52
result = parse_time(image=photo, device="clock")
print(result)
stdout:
11:13:06
